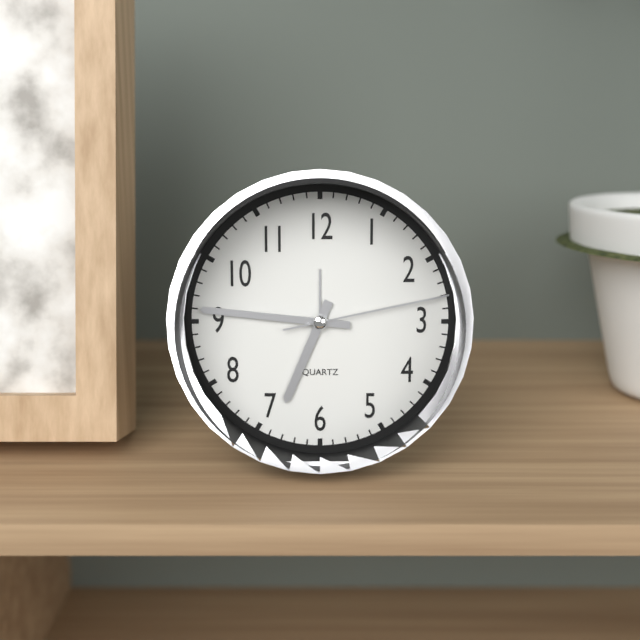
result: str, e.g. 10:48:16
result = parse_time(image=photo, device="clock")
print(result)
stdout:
6:46:13
